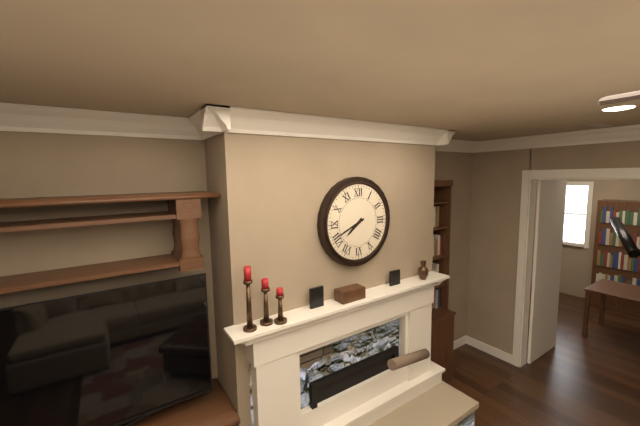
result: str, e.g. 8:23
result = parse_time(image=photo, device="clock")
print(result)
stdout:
7:41
